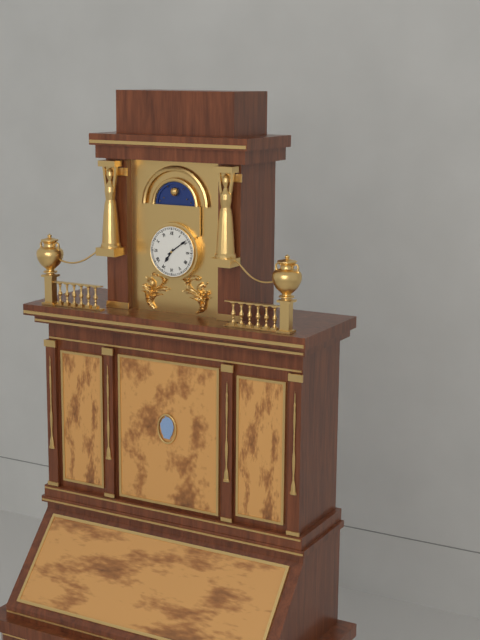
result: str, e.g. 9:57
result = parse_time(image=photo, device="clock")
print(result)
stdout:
7:09
